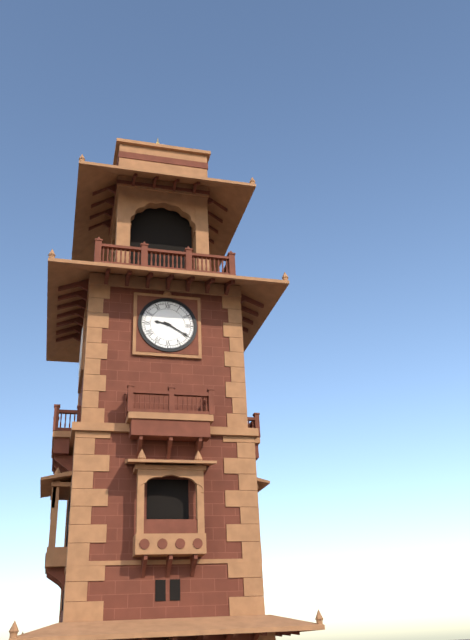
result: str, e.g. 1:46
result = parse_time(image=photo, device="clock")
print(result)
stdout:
9:20
